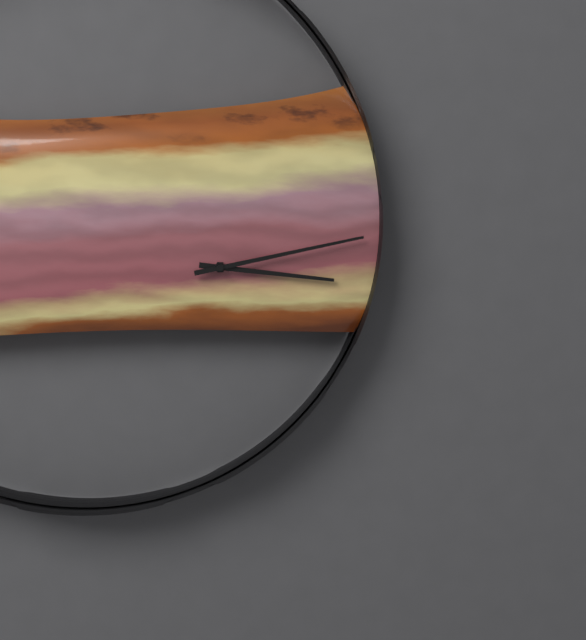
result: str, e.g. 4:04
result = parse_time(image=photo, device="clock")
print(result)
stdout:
3:13
